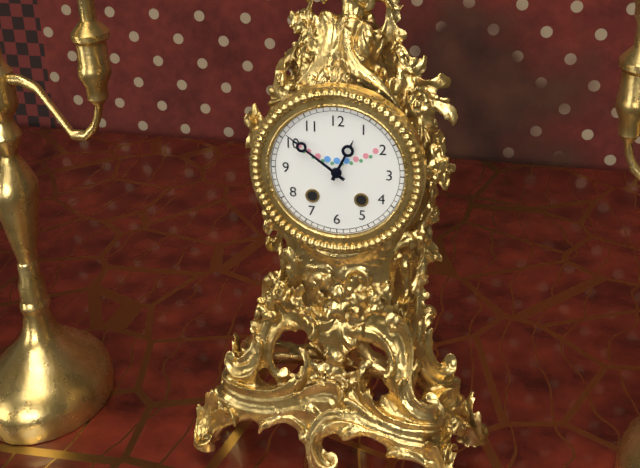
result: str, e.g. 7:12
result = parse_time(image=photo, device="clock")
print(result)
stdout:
12:51
